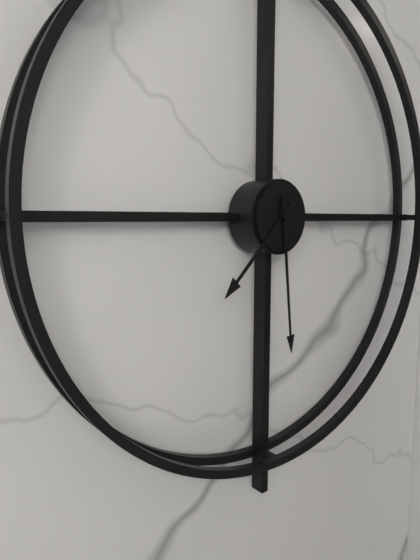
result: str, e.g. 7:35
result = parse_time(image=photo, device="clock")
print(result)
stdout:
7:29
